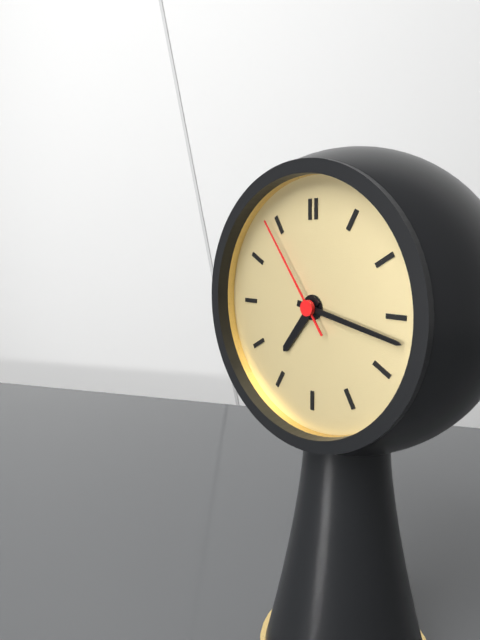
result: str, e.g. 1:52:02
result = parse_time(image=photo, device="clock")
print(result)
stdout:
7:17:54
